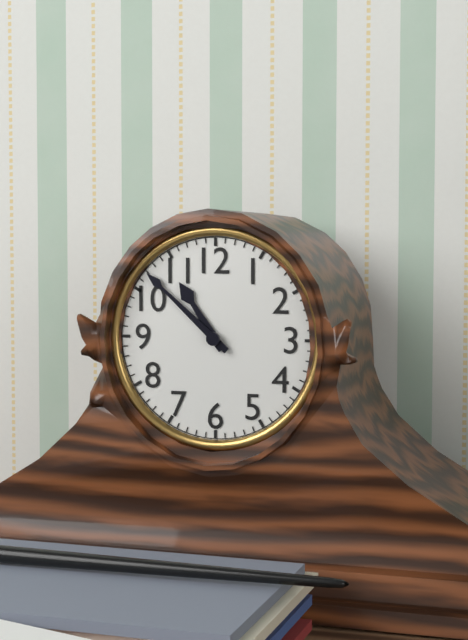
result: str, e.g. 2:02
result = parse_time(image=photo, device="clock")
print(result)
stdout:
10:52
